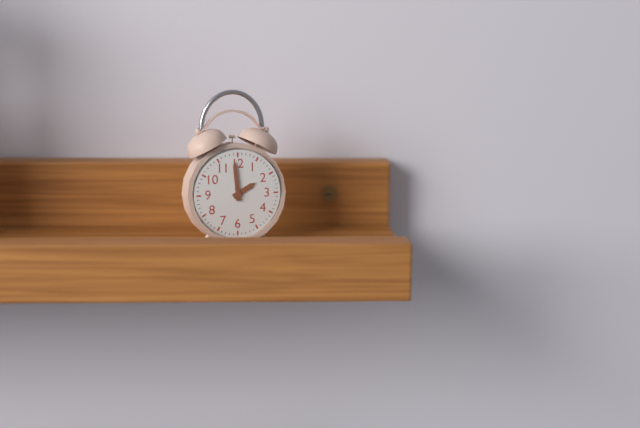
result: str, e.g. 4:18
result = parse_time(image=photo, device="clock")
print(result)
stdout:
1:59
